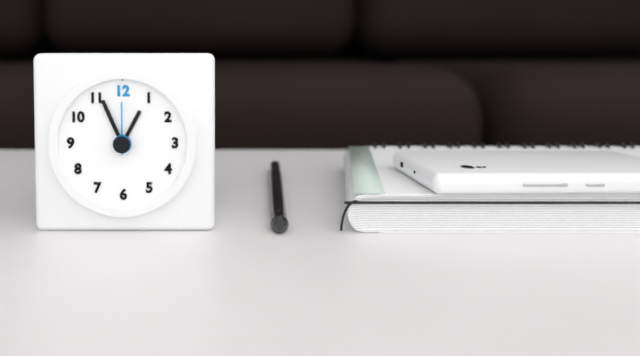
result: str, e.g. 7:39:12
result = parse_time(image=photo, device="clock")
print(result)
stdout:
12:56:00
